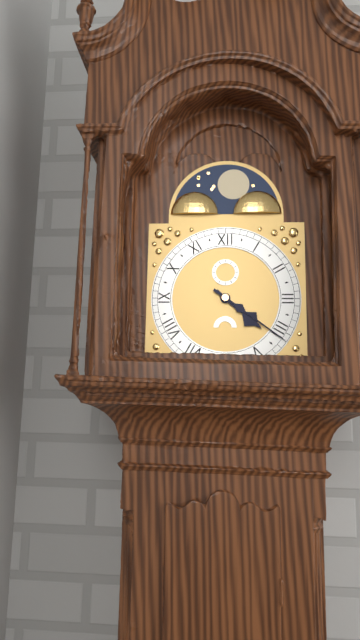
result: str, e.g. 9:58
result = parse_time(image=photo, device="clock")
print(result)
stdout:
4:21
